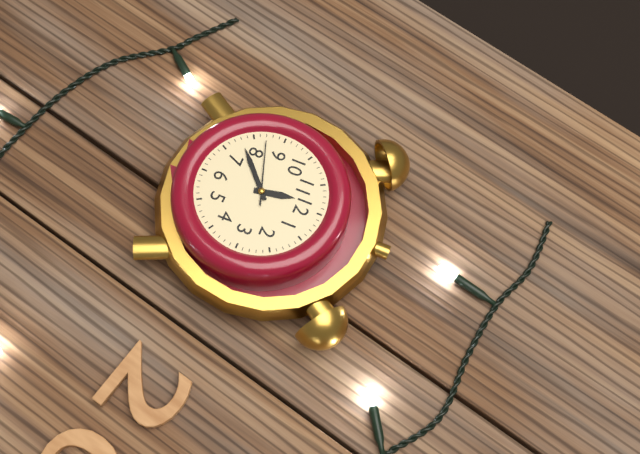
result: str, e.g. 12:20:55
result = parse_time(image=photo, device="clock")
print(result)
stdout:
11:38:42
